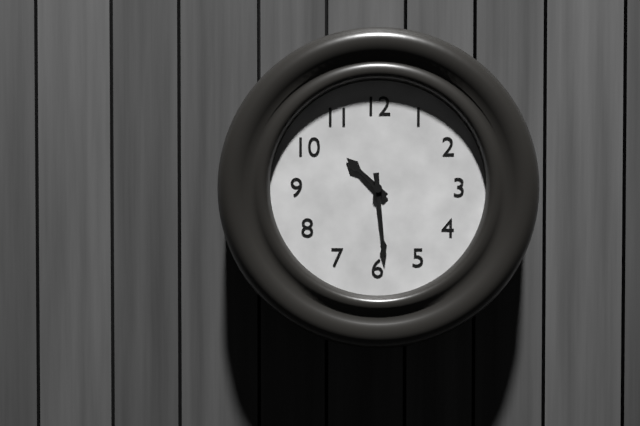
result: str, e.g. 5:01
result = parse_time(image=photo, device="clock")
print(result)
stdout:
10:29
